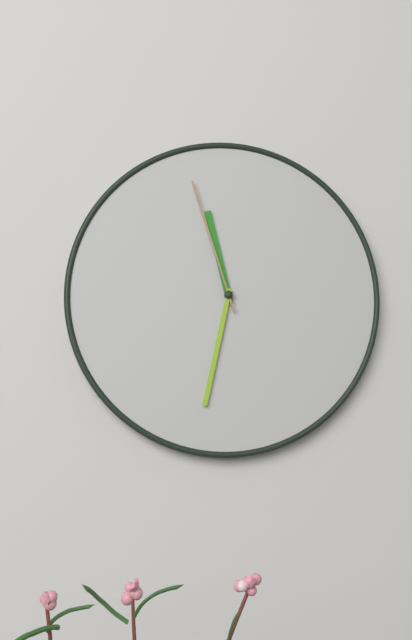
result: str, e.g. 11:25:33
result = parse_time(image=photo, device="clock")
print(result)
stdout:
11:32:57
